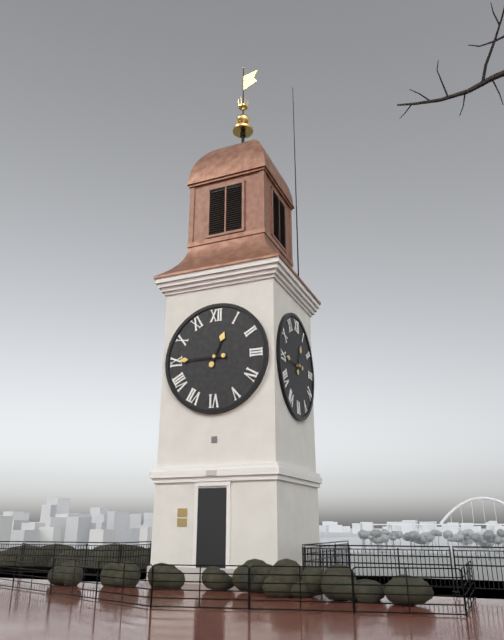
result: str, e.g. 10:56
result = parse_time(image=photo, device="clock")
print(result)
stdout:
12:45
